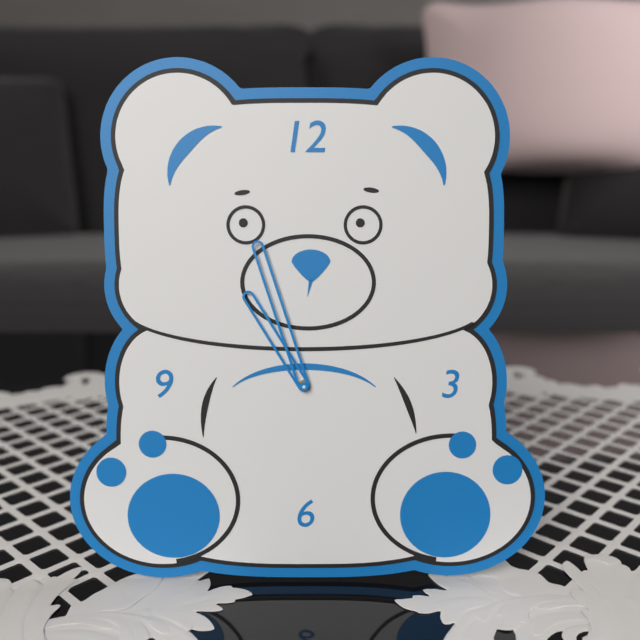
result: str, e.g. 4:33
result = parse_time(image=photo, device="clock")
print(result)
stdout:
10:57
